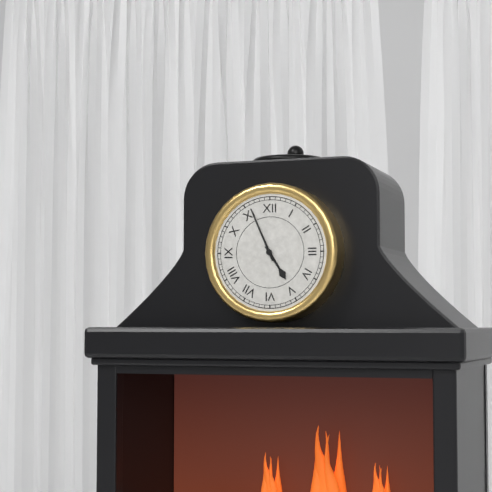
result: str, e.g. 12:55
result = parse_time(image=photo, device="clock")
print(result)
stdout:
4:56
